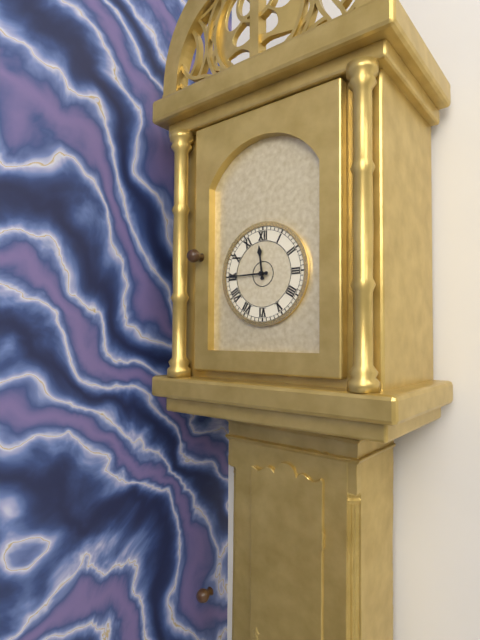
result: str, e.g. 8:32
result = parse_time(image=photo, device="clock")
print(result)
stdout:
11:45
